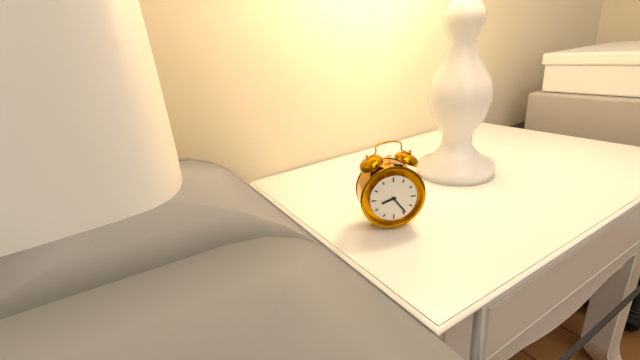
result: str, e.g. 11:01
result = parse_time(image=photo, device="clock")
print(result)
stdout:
8:24
